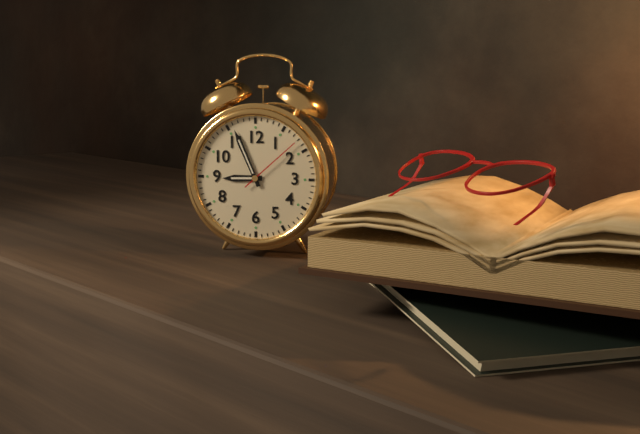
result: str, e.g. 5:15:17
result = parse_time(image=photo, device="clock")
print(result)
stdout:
8:56:08
